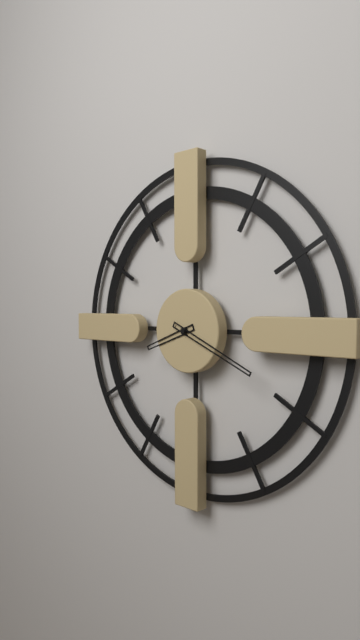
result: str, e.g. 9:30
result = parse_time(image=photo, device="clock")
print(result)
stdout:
8:19
